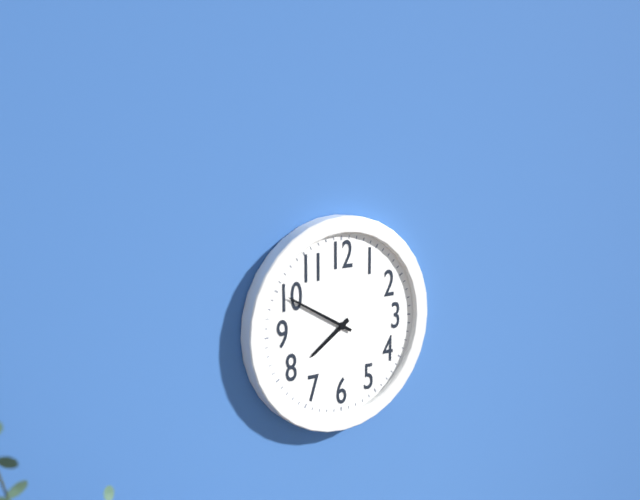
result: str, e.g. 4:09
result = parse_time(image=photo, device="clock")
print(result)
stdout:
7:50
